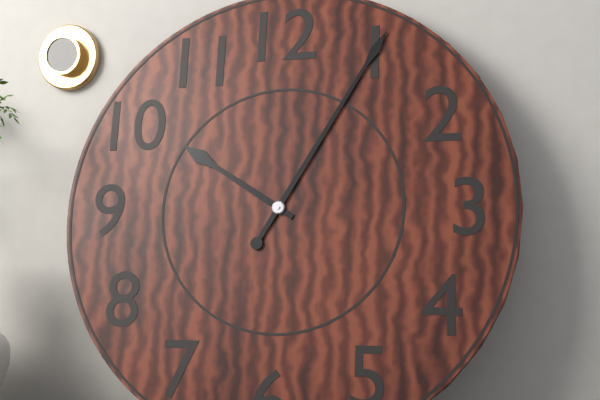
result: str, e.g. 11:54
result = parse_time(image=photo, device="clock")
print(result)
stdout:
10:05
